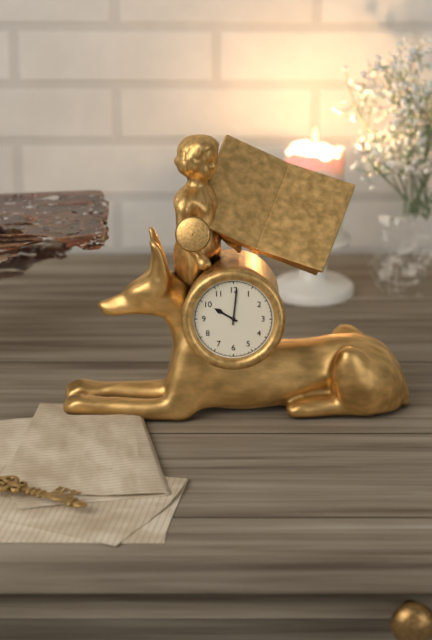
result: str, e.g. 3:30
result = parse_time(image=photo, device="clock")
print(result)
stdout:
10:01
